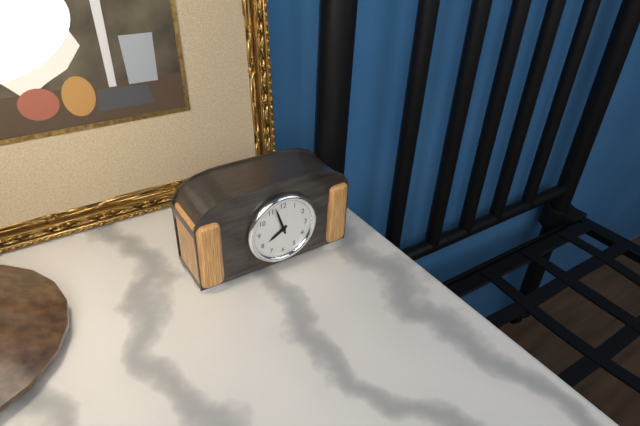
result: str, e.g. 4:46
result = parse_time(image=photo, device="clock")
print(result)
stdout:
7:57
